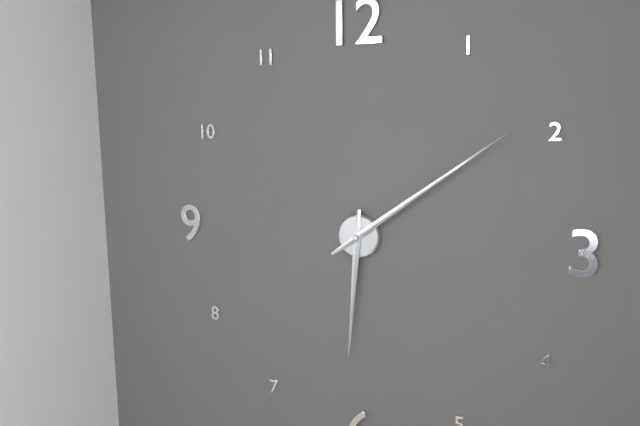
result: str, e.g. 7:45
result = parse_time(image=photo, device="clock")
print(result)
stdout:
6:09
